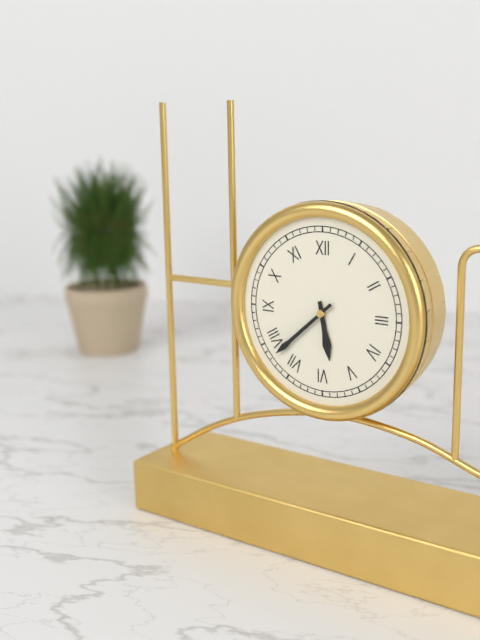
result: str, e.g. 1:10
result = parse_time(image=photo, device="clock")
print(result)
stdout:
5:38
